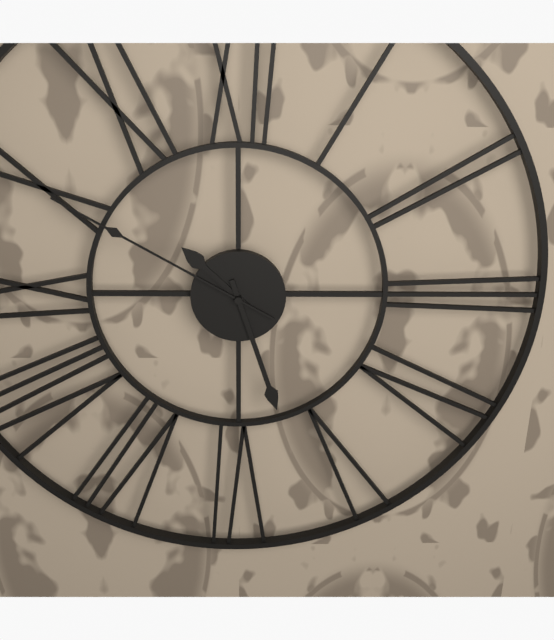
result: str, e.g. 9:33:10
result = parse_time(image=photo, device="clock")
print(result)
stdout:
10:27:50
